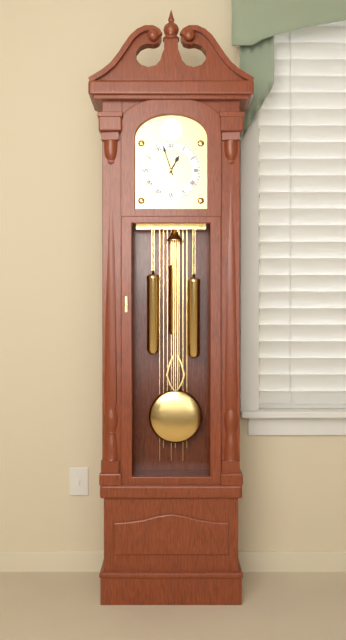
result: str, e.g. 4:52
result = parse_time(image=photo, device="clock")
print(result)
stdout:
12:57
